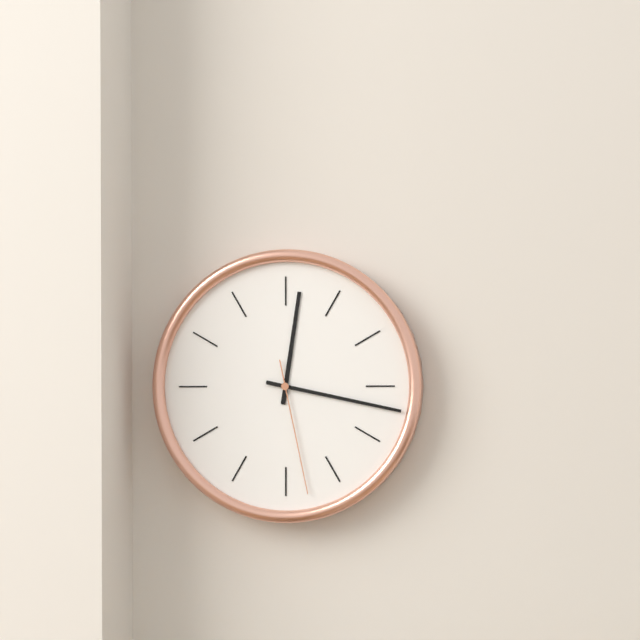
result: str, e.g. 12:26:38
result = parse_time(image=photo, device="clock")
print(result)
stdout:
12:17:28
